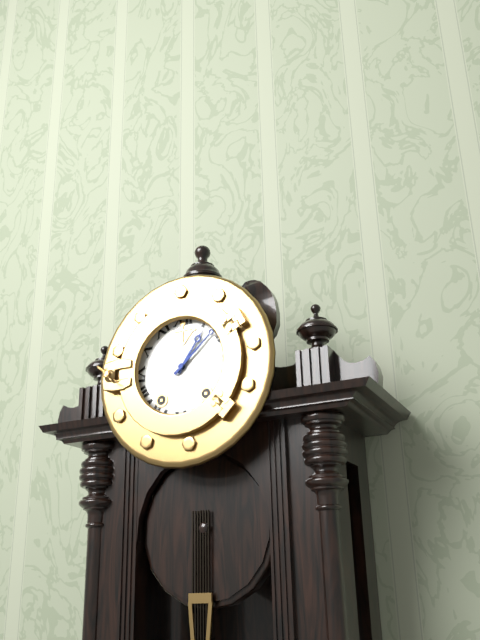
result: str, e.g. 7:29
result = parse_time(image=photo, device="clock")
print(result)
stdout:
1:08
